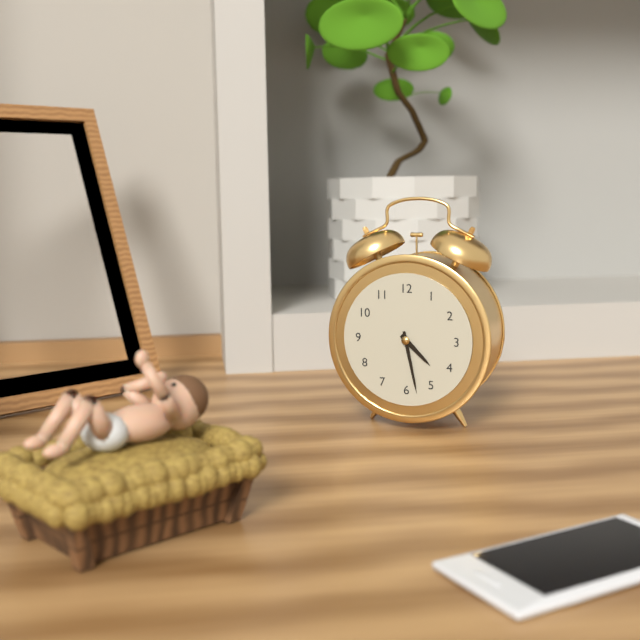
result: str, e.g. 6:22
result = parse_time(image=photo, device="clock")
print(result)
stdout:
4:28
